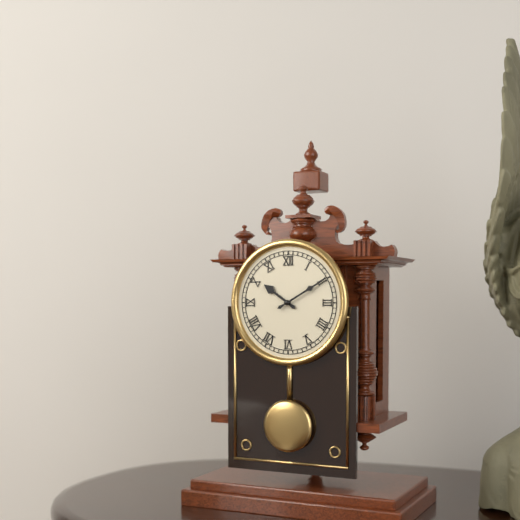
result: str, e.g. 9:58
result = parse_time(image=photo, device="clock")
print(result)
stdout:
10:10
